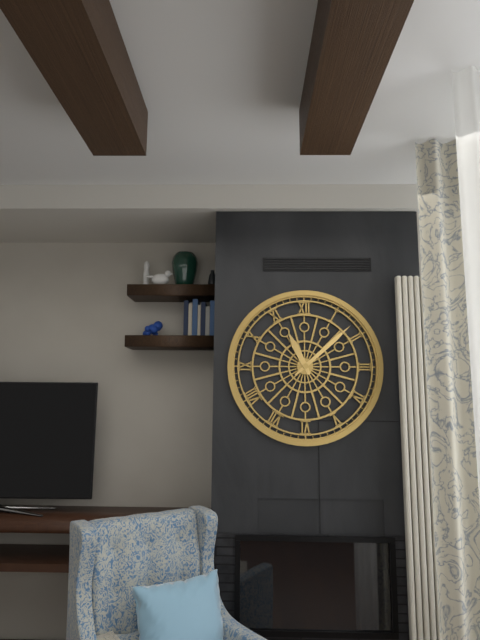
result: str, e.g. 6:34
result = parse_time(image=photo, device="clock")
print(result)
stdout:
11:08
